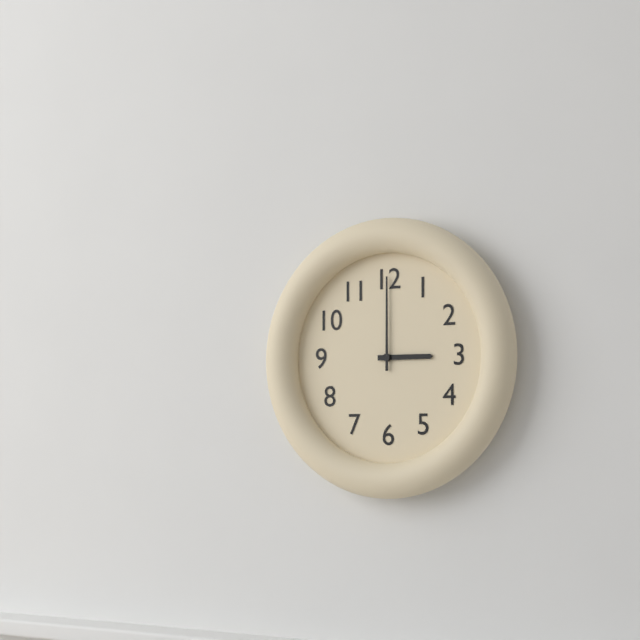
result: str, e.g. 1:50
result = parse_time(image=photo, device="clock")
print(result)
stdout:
3:00
